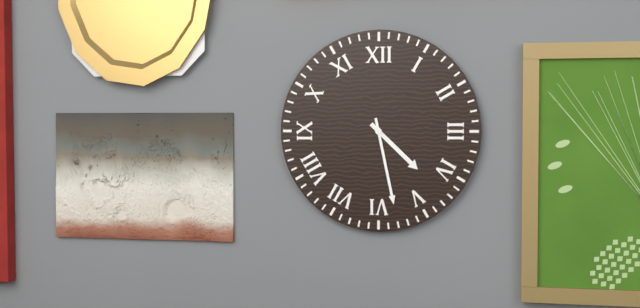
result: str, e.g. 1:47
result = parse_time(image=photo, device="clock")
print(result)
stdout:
4:28
